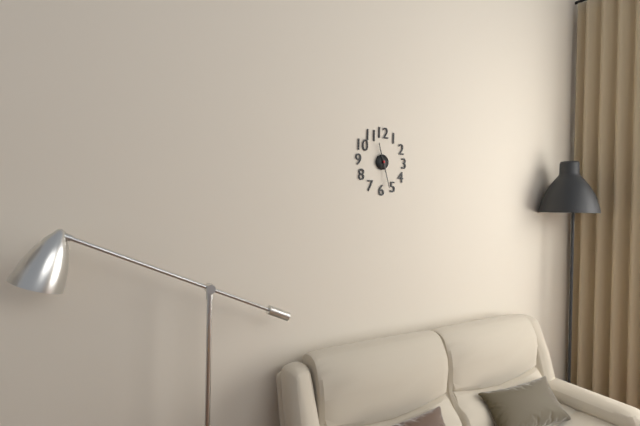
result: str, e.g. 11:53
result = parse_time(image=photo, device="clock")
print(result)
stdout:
11:27
